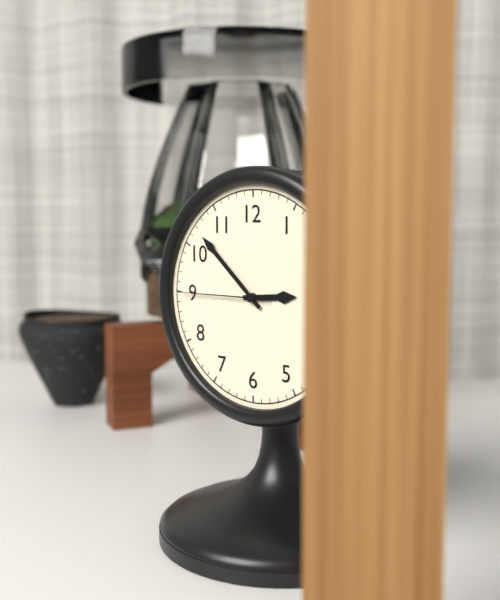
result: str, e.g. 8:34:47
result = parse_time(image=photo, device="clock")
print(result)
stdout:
2:52:45
